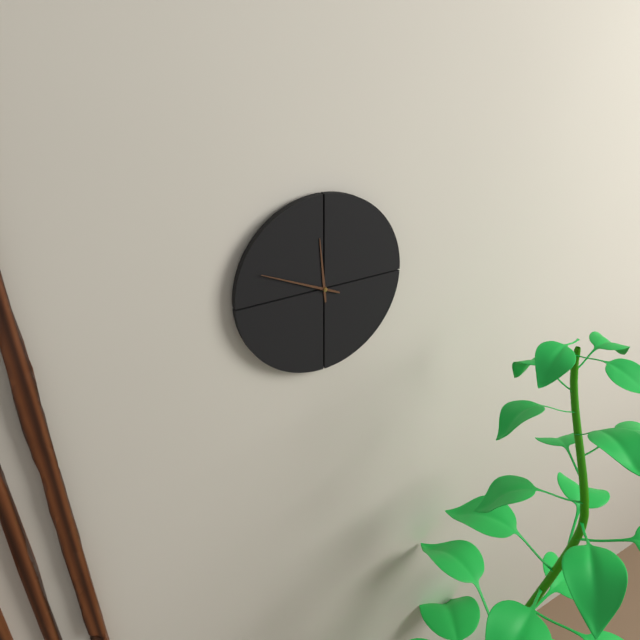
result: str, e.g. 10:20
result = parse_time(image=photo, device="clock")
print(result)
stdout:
11:49
